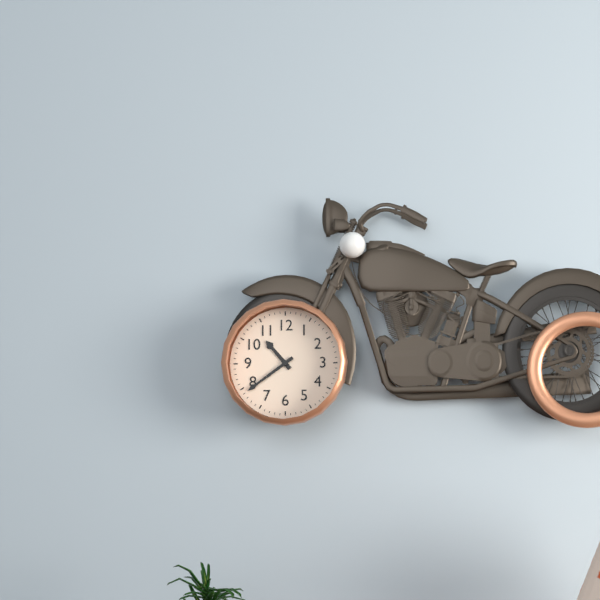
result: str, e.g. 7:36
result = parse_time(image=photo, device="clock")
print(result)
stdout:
10:39
